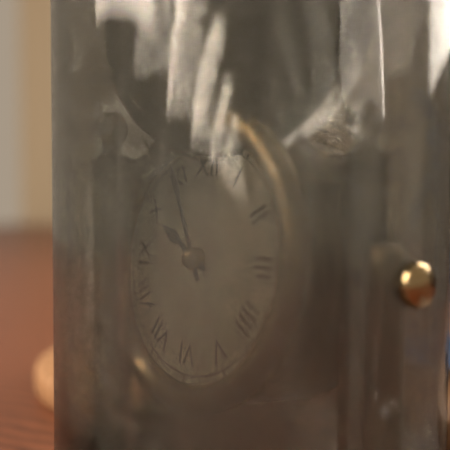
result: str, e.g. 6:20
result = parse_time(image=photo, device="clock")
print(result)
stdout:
9:55
